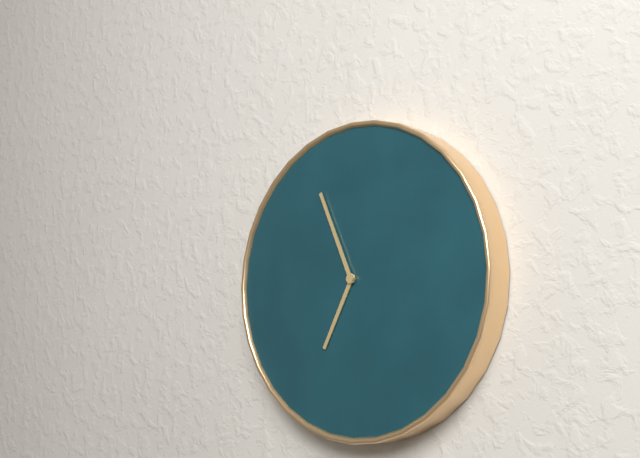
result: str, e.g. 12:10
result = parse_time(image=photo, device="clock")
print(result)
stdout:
6:56
